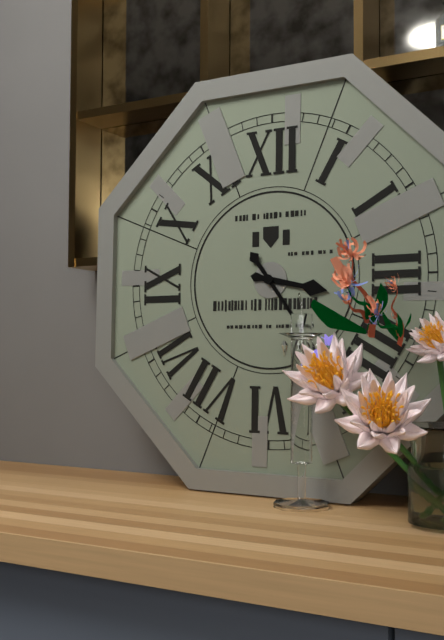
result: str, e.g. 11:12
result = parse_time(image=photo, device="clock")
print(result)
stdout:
3:24
